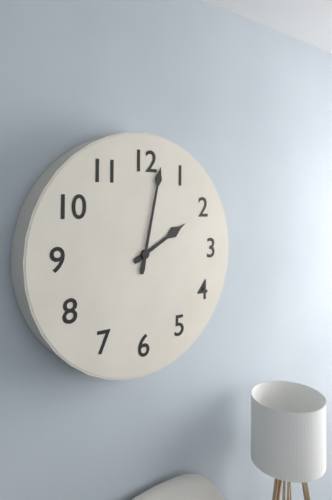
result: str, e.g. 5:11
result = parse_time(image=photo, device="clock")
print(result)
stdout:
2:02
